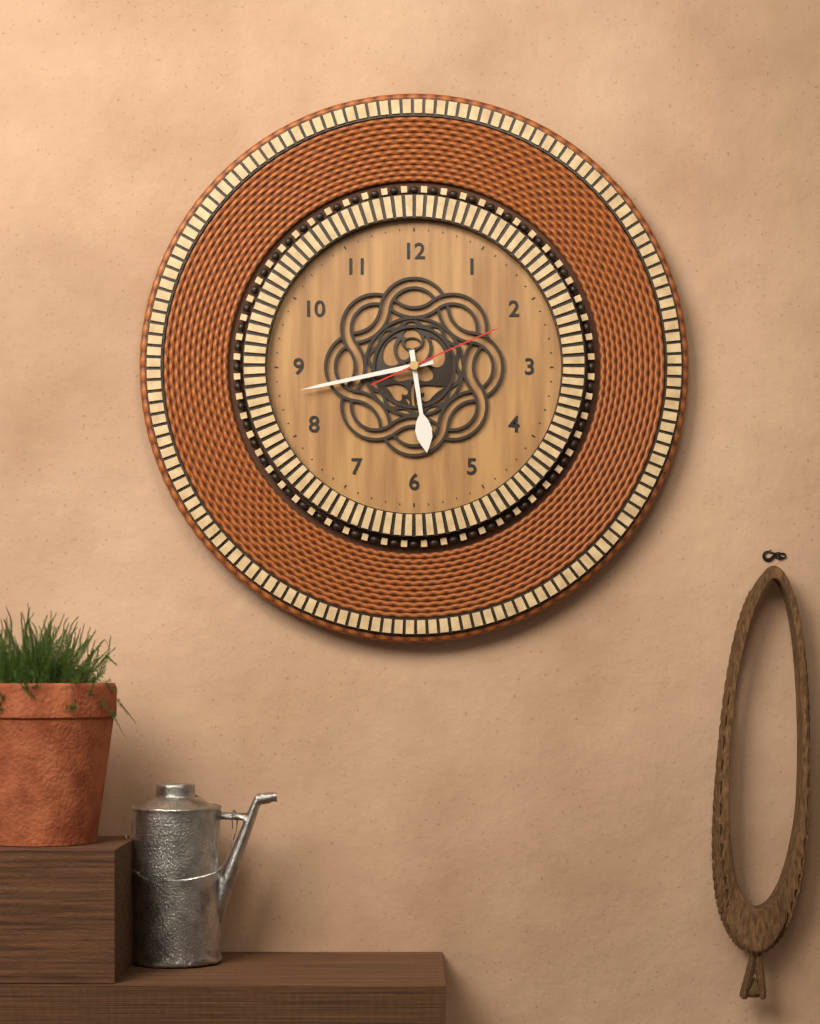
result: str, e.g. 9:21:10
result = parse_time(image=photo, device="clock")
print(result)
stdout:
5:43:11
